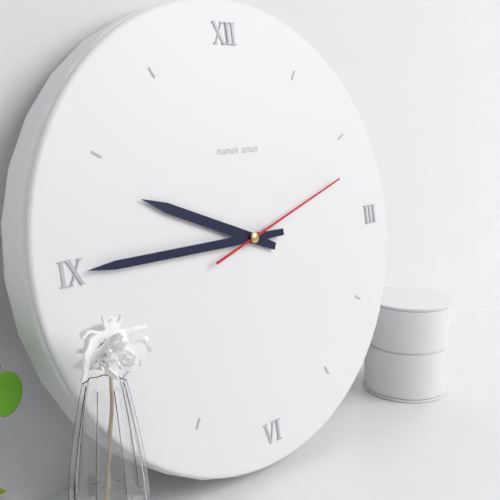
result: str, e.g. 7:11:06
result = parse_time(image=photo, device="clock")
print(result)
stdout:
9:45:12
